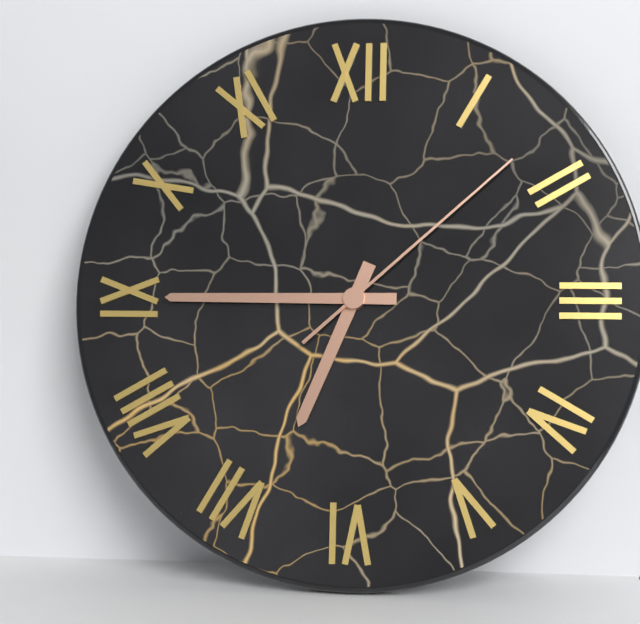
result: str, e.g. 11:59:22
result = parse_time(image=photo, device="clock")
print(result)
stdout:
6:45:08
